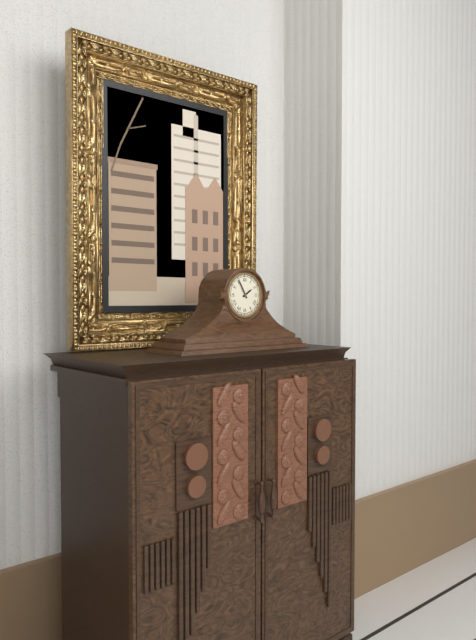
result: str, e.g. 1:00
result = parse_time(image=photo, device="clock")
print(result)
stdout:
1:55
